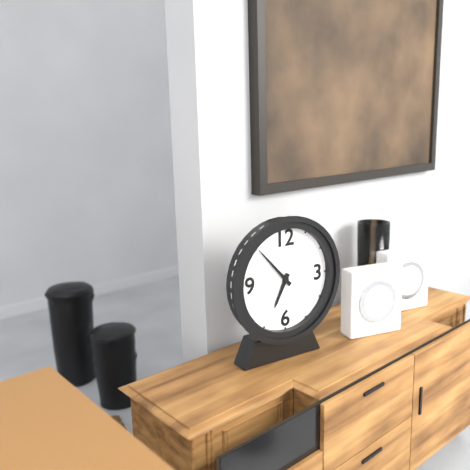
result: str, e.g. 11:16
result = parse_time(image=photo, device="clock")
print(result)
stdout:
6:53
